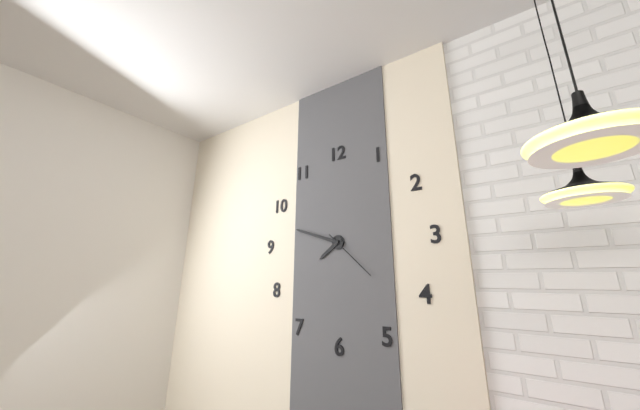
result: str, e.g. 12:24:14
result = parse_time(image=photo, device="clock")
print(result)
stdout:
7:48:22
